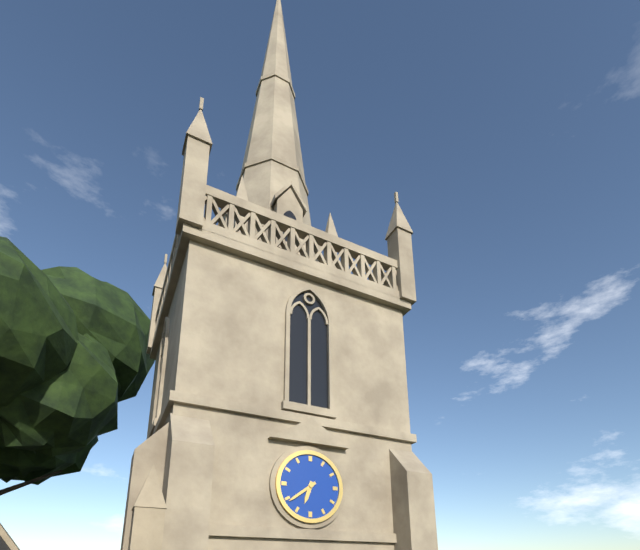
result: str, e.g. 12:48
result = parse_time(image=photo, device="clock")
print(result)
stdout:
6:39
